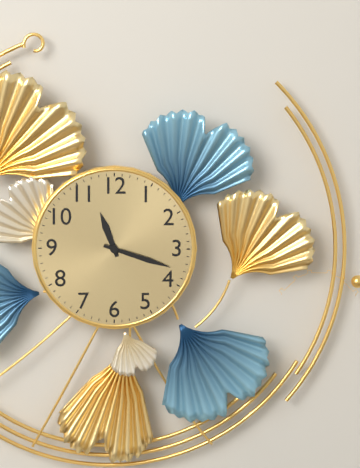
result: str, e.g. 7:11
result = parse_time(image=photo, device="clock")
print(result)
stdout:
11:18
